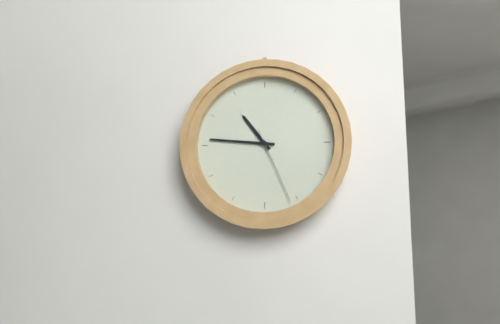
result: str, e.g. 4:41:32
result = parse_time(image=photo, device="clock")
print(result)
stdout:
10:46:26
